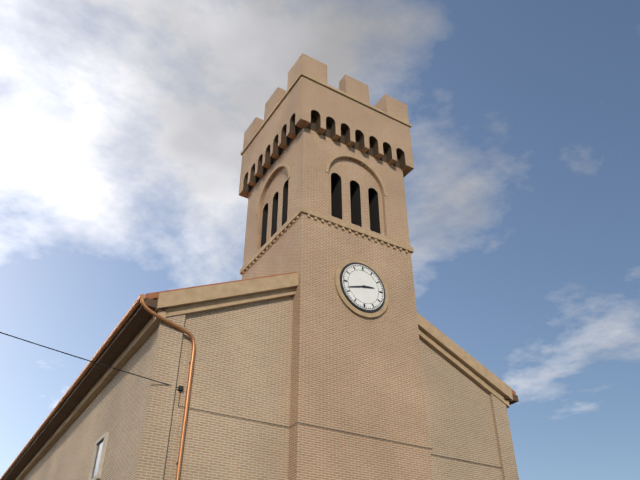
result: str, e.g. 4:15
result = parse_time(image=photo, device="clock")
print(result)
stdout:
2:42
